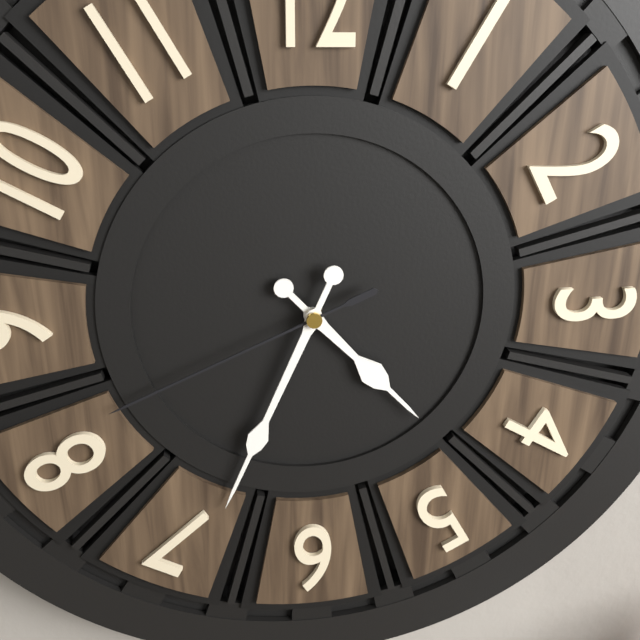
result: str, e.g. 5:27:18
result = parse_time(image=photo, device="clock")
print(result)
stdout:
4:34:41
